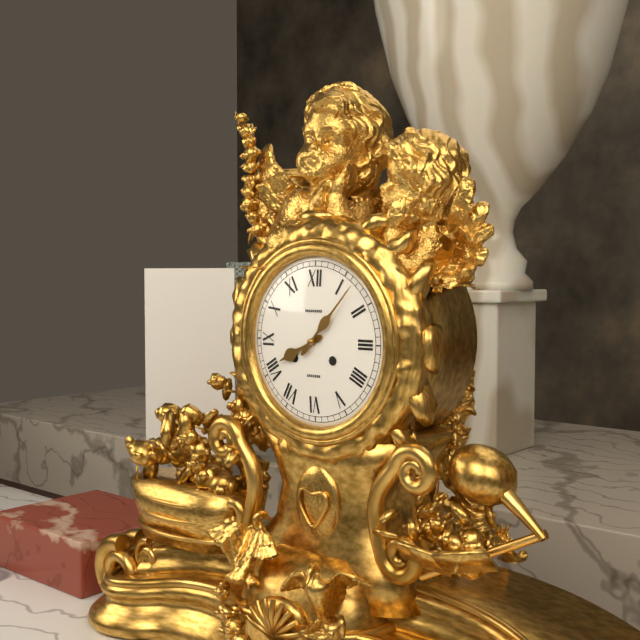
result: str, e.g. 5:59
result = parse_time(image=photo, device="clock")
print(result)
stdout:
8:07
